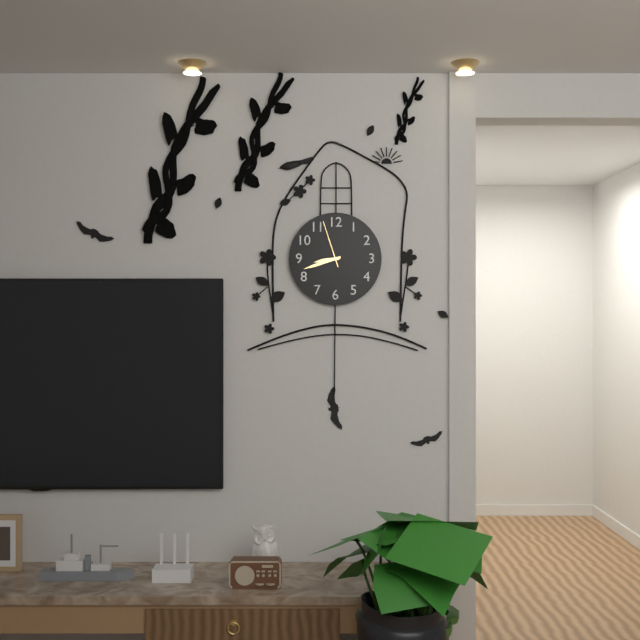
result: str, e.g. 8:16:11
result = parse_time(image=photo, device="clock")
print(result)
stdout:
8:42:57
